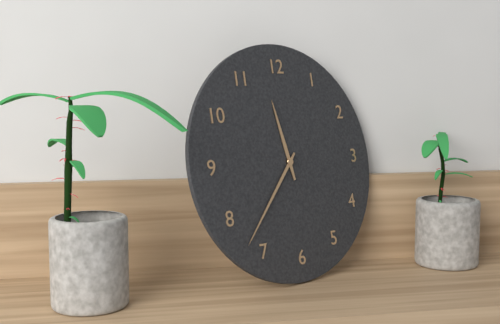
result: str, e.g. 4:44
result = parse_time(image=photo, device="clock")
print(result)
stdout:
11:37
